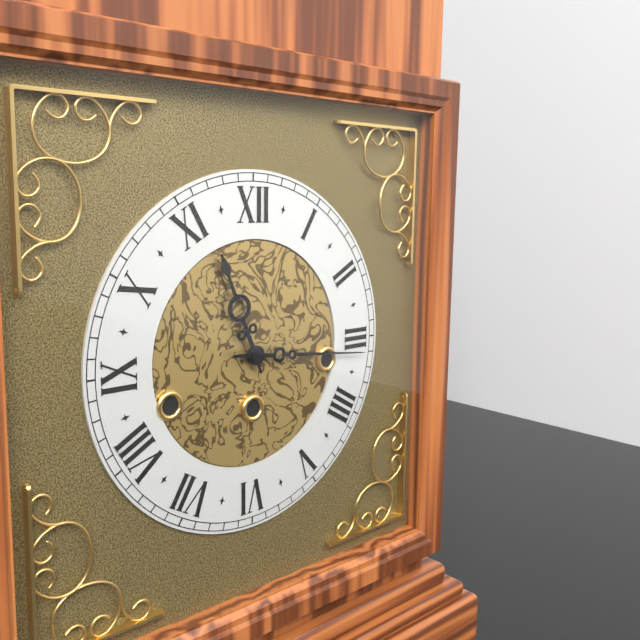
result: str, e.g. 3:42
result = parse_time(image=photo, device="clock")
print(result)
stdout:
11:16
